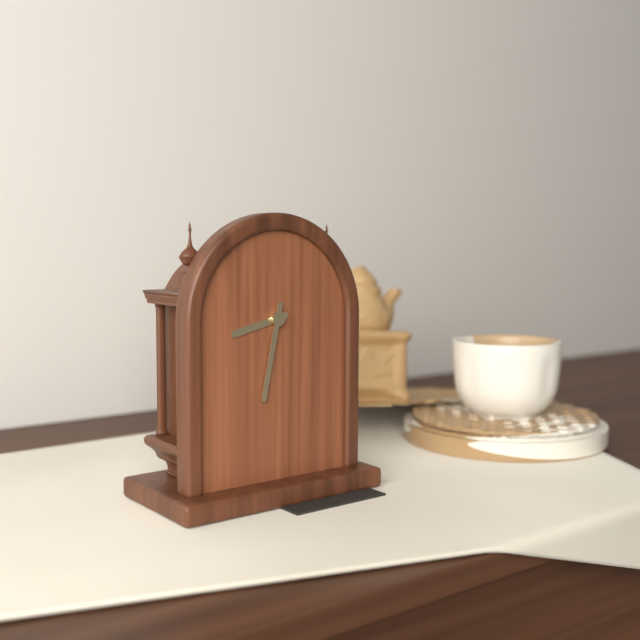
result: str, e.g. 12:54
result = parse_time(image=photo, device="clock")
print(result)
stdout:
8:32
